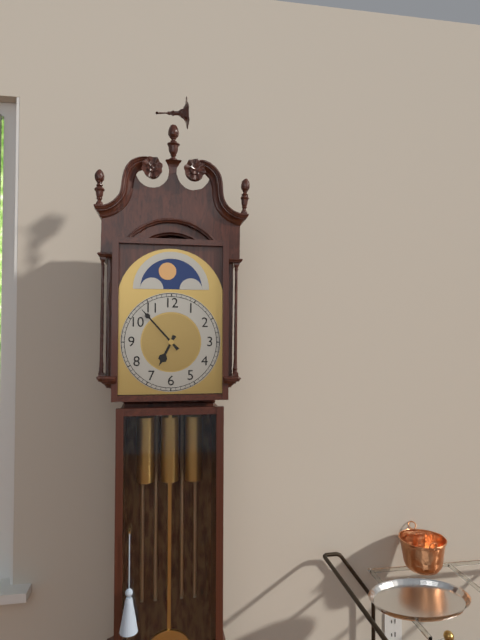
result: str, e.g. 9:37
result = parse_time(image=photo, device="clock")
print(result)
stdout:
6:53
